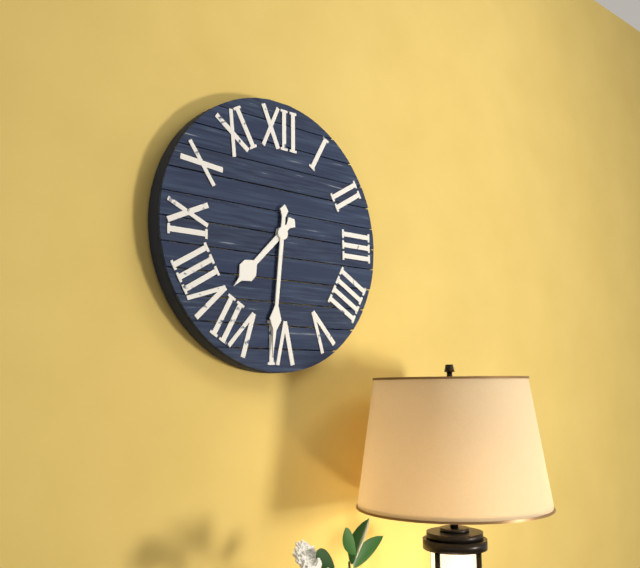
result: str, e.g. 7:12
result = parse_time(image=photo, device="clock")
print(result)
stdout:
7:31
